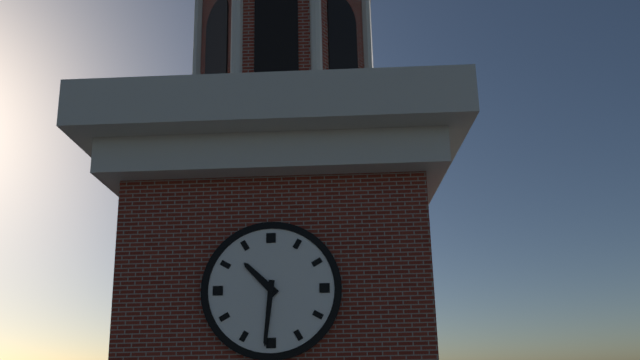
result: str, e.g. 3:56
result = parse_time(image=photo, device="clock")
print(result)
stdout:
10:31
